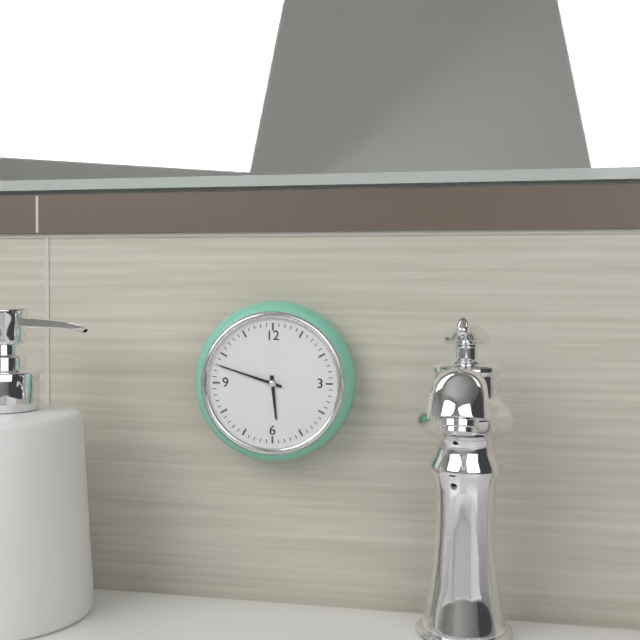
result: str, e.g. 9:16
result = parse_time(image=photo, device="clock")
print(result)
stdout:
5:48
